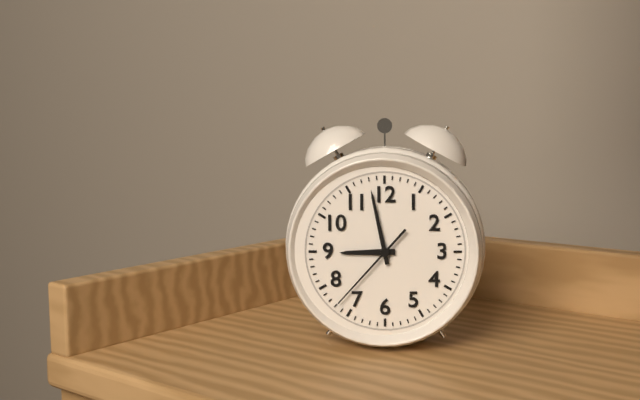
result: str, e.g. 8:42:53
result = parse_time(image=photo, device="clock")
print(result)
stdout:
8:58:37
